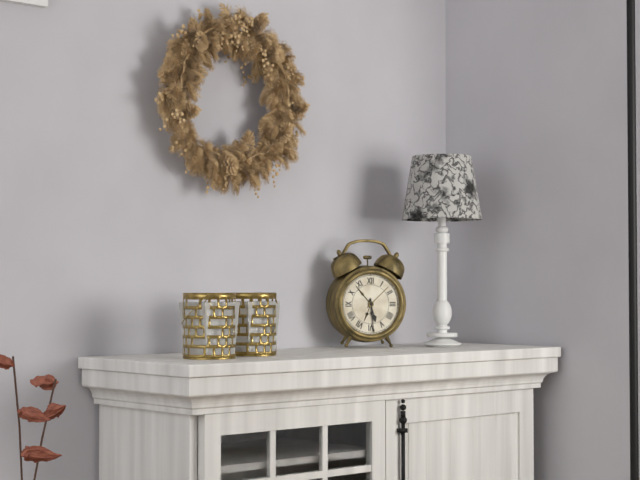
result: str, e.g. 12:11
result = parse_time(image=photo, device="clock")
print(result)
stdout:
5:29
